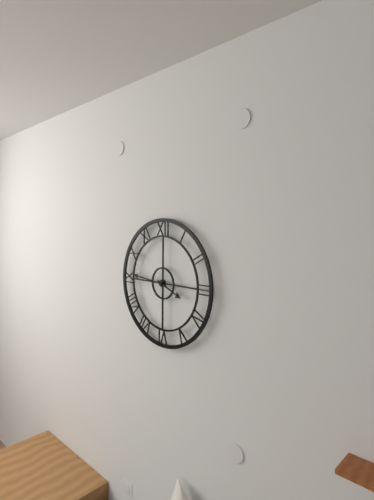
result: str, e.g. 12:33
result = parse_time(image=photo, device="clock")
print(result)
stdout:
3:46
